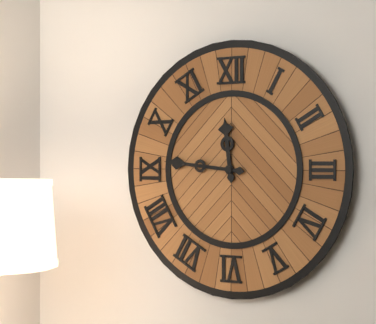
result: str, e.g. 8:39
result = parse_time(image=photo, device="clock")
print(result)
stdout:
11:46
